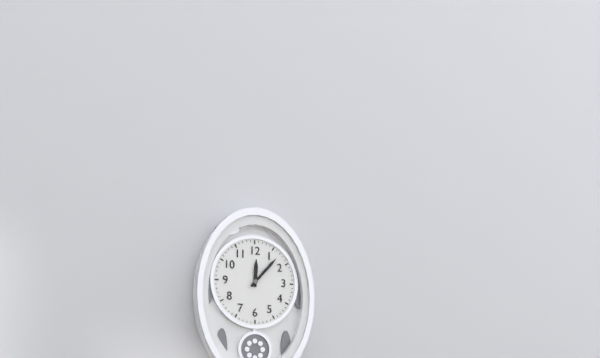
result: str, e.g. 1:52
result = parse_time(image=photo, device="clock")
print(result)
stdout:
12:07
